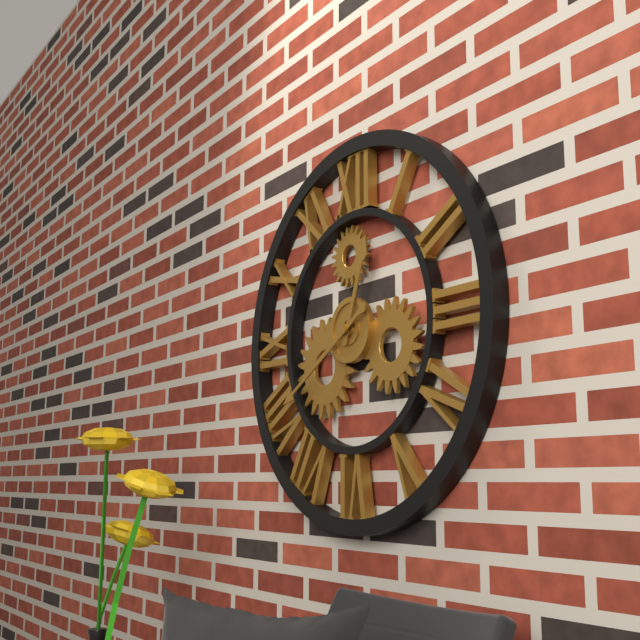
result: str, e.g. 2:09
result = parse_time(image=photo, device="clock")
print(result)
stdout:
12:40
